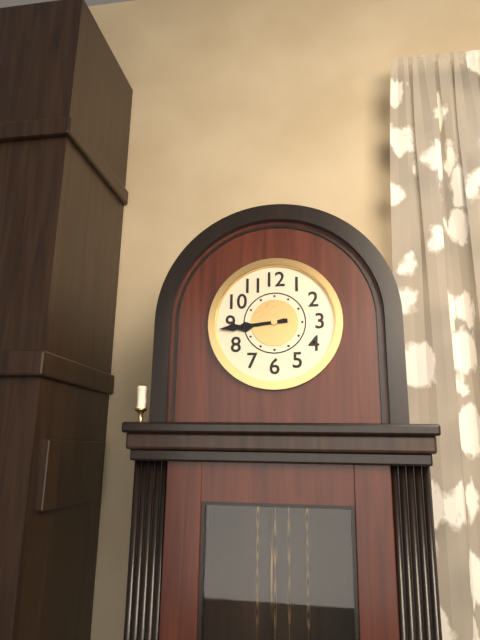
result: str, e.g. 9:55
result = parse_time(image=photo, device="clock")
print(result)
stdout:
8:44
